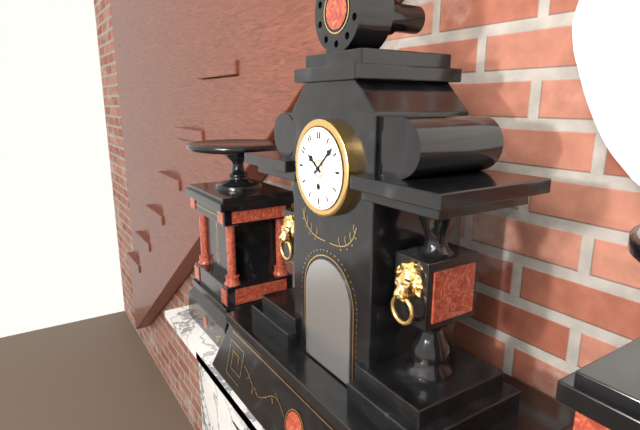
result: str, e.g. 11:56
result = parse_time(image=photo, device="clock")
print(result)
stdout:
10:08
